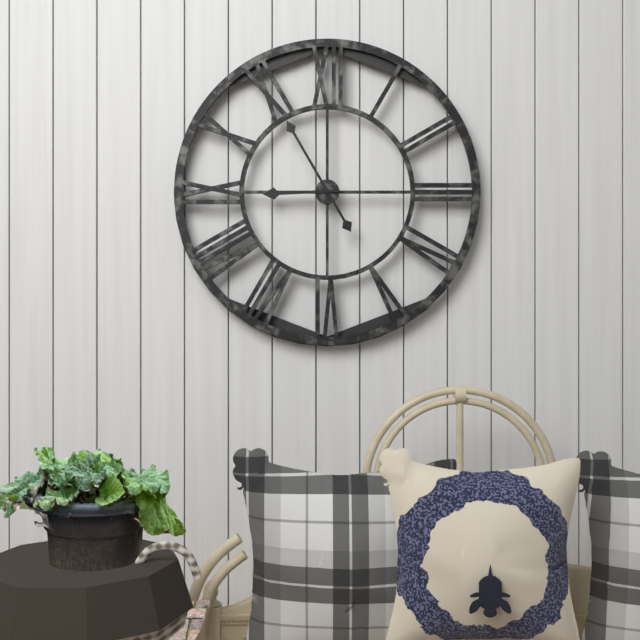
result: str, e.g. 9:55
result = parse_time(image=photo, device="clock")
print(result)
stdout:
8:55
